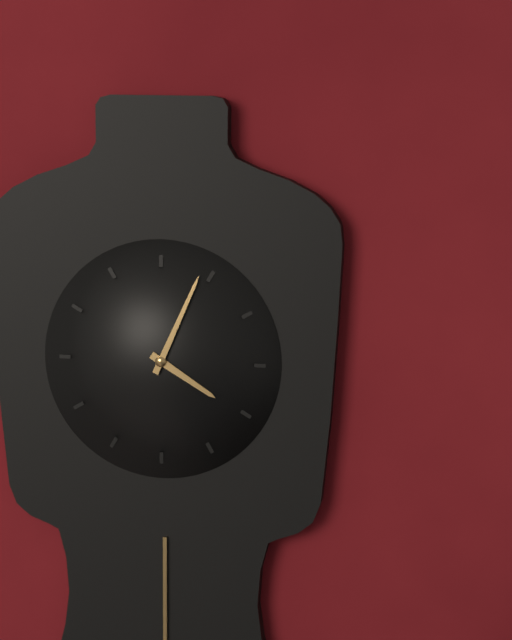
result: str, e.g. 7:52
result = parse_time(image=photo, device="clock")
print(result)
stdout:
4:04
